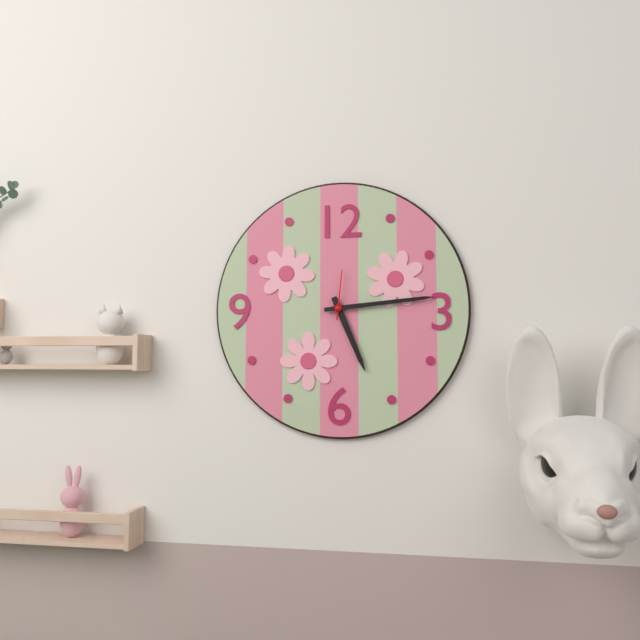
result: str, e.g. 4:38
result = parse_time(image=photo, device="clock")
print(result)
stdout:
5:14
